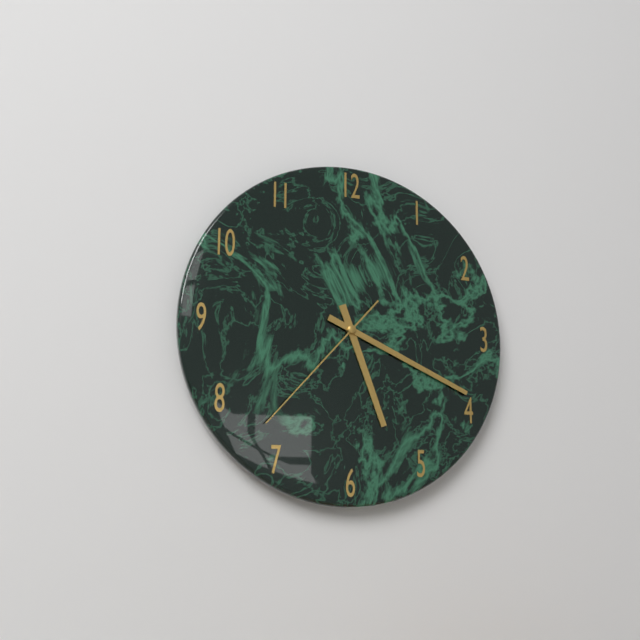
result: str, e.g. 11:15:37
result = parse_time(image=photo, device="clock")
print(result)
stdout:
5:19:37
